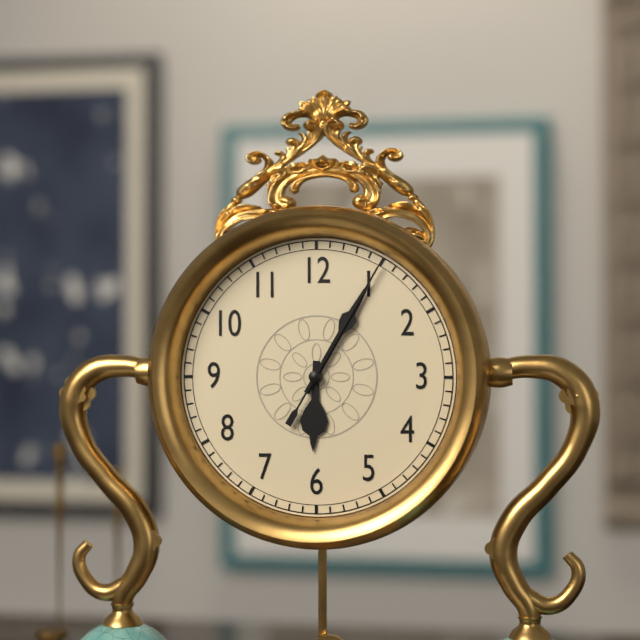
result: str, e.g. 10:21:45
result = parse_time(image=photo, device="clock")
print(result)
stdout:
6:05:05
